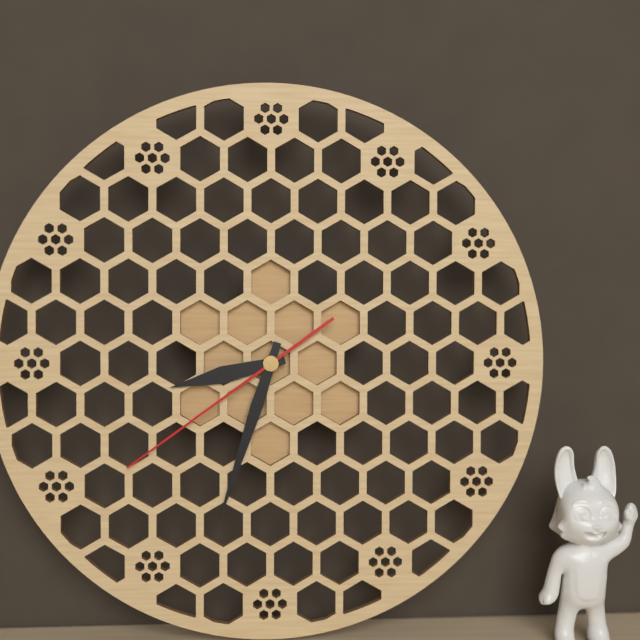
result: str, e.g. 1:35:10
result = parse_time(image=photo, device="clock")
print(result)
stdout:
8:33:39
